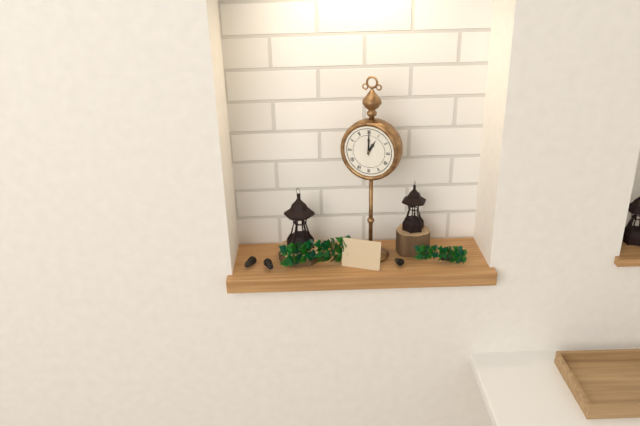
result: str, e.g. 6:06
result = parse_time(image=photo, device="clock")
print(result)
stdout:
1:00
